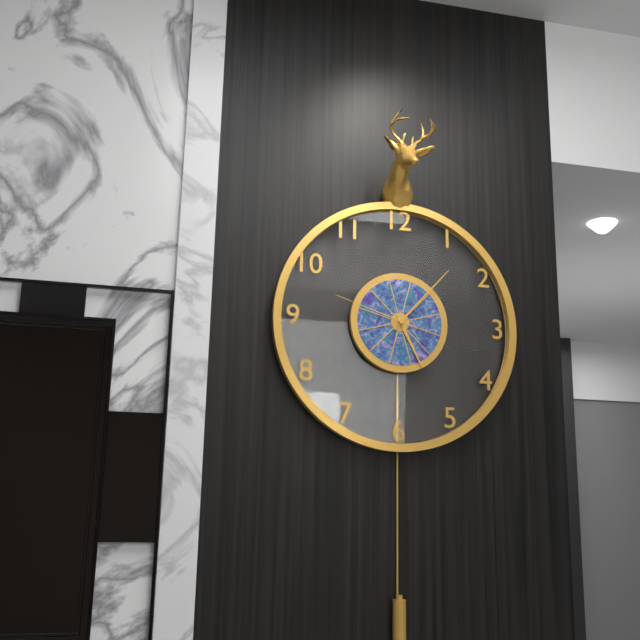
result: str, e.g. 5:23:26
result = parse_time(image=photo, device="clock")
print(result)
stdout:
5:07:48
